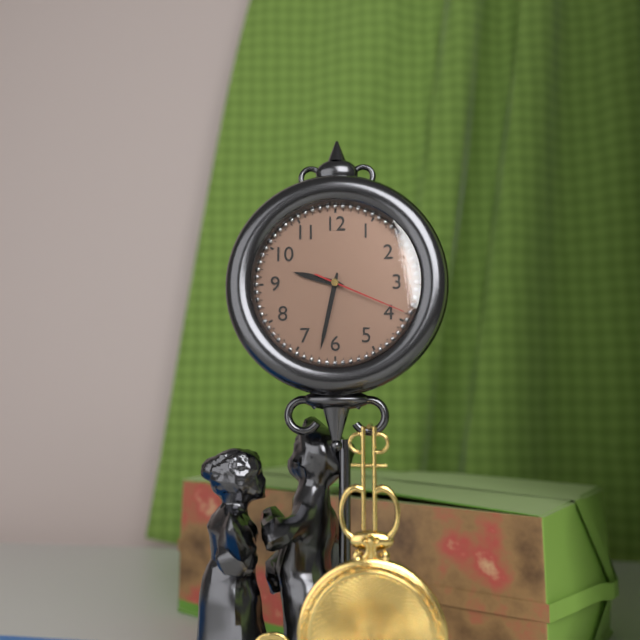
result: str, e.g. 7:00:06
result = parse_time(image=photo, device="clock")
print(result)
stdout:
9:32:19
